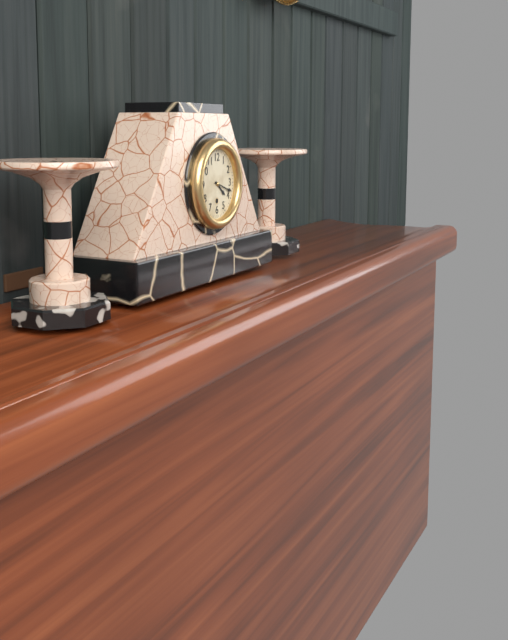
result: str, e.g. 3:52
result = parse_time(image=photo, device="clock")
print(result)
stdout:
4:18
